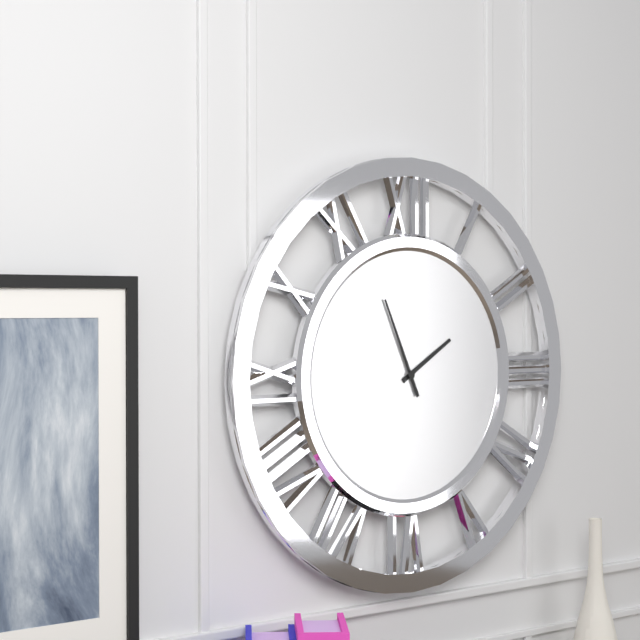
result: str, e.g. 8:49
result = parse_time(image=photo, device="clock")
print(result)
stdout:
1:56
